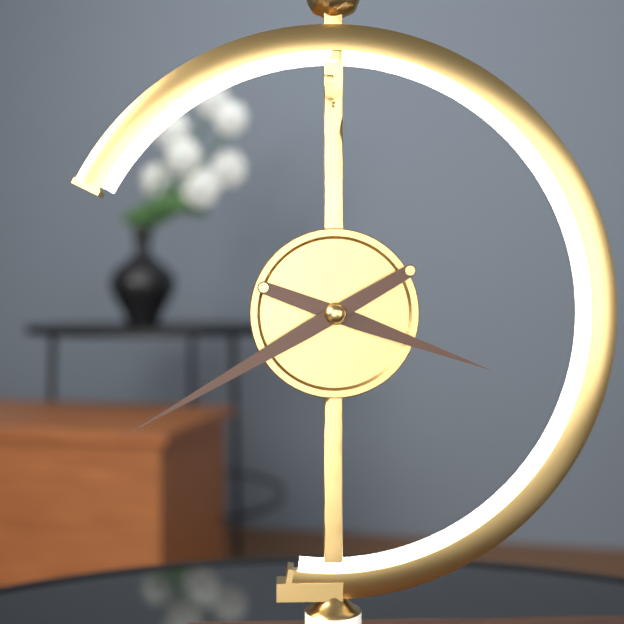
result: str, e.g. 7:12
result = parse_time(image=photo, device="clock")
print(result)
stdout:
3:40
